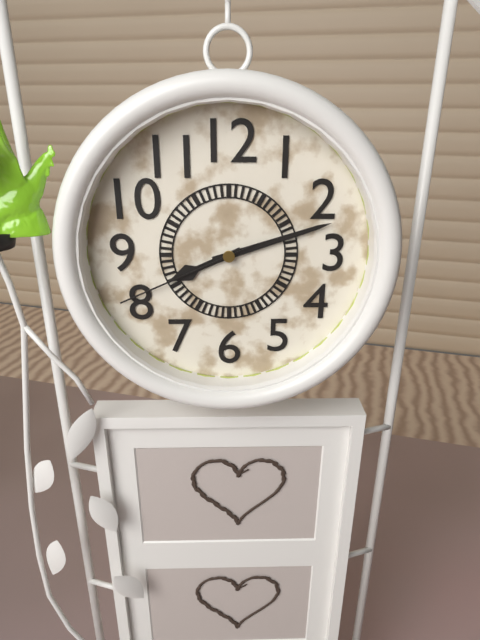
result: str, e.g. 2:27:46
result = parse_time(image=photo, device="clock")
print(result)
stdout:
8:12:41
